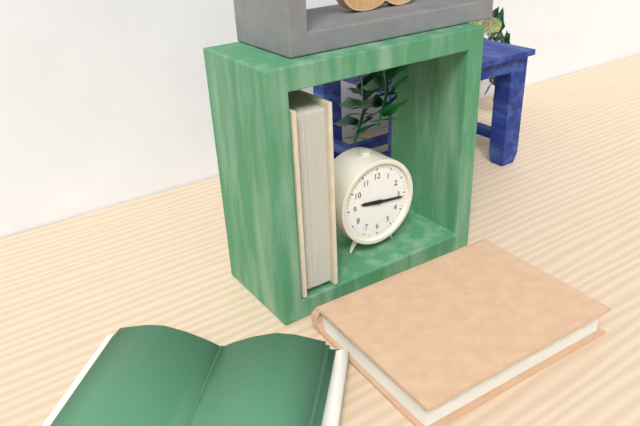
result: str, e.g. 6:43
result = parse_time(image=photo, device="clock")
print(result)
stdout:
9:16
